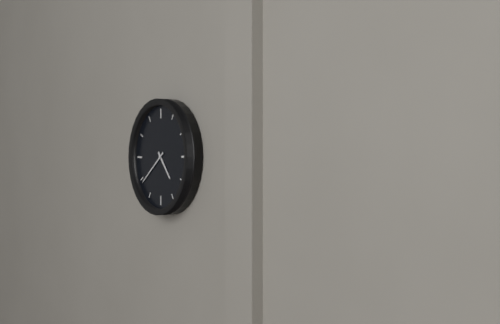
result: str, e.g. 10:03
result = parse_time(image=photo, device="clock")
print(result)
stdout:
4:39
